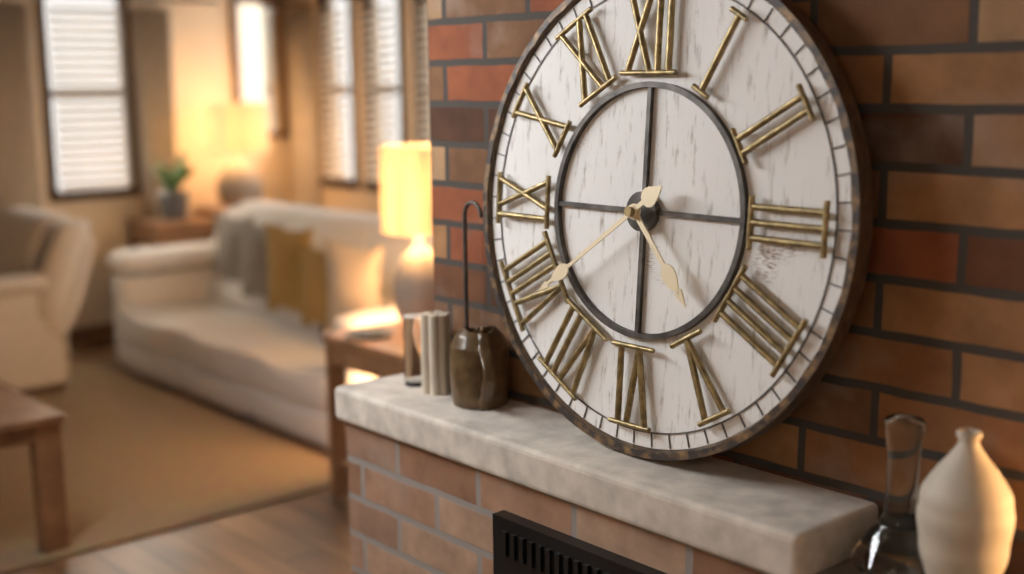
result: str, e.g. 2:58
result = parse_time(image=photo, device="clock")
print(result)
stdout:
4:39
